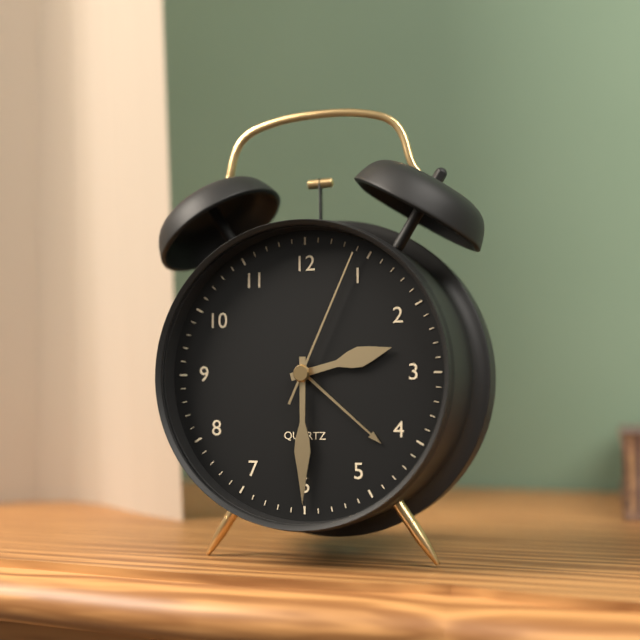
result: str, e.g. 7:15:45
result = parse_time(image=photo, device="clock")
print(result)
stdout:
2:30:04
